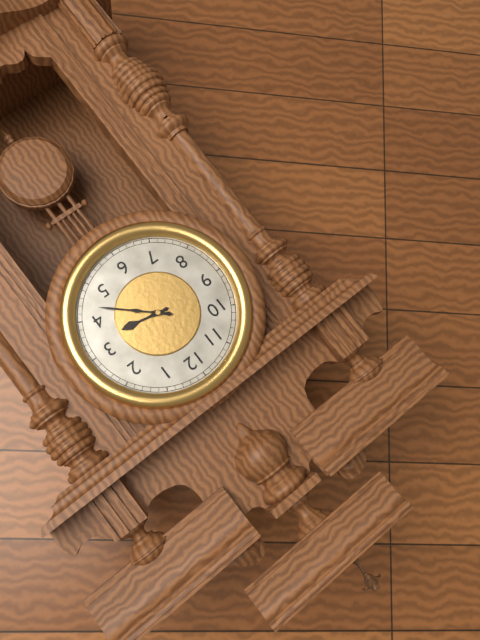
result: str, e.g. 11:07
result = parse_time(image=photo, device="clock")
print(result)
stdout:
3:22
